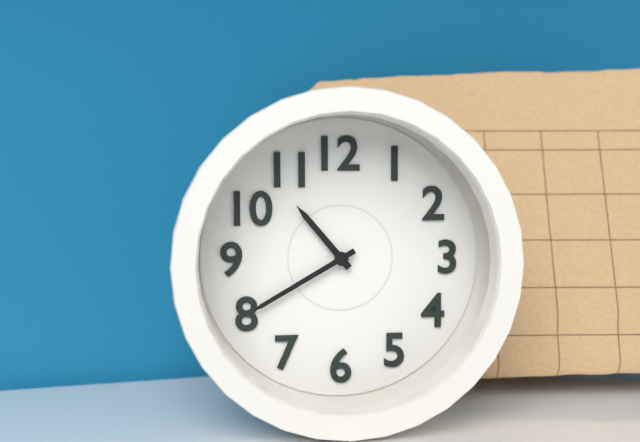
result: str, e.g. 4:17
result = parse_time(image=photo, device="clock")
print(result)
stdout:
10:40
